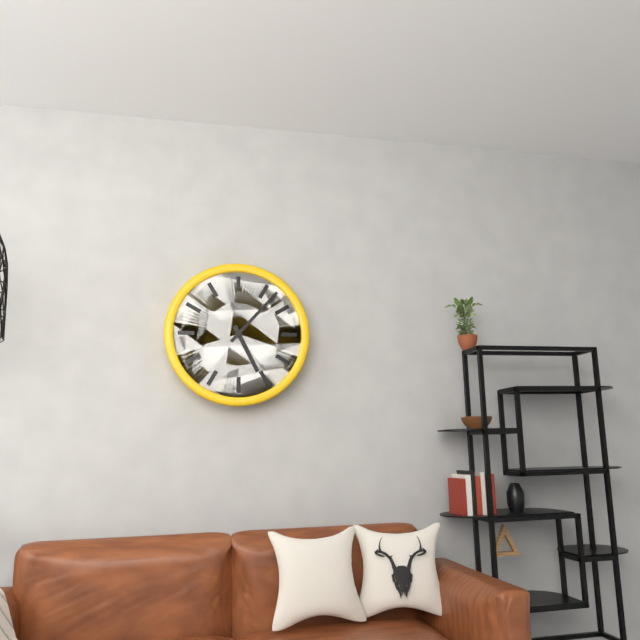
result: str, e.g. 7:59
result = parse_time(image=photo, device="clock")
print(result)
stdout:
5:07
